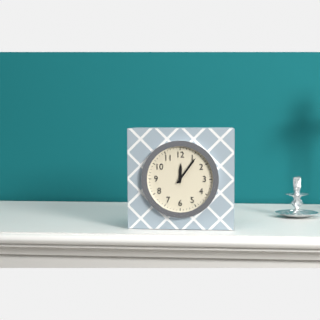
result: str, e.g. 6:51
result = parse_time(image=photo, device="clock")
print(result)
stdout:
12:06
